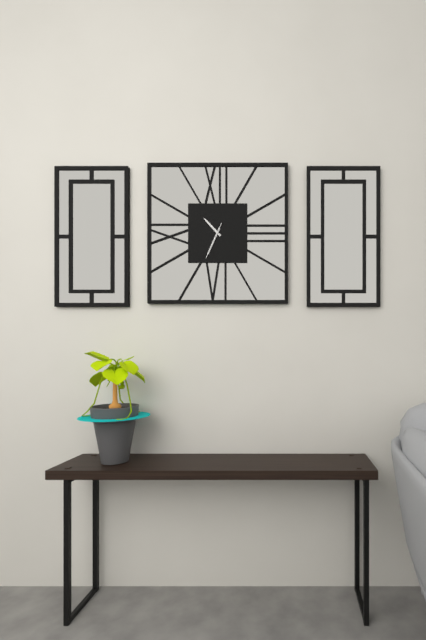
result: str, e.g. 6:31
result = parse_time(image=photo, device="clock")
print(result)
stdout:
10:34
